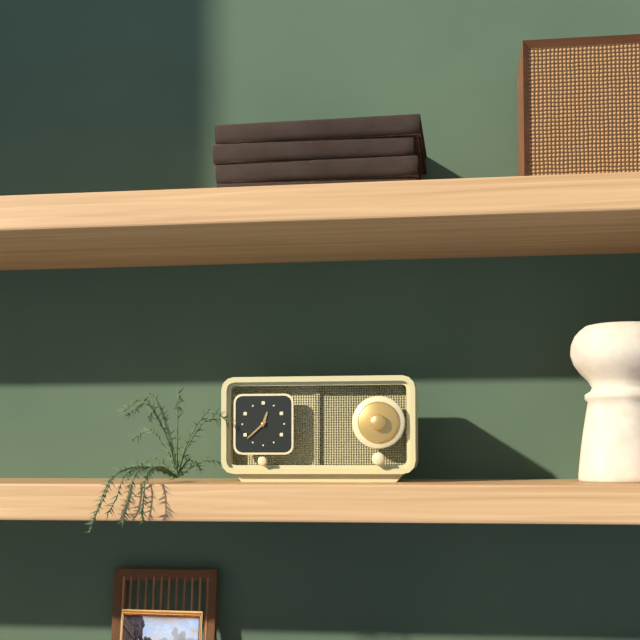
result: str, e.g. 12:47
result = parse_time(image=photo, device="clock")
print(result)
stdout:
12:38
